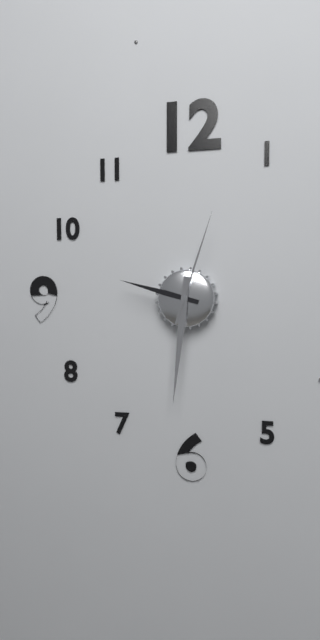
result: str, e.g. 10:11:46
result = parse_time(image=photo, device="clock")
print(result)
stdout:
9:31:03
